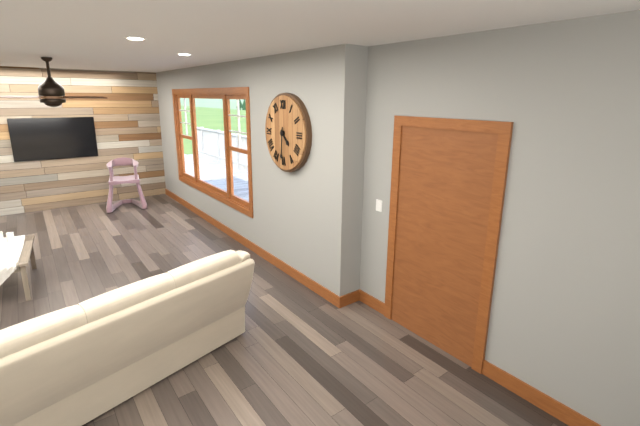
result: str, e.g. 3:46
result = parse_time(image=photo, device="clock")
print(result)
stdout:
4:31
